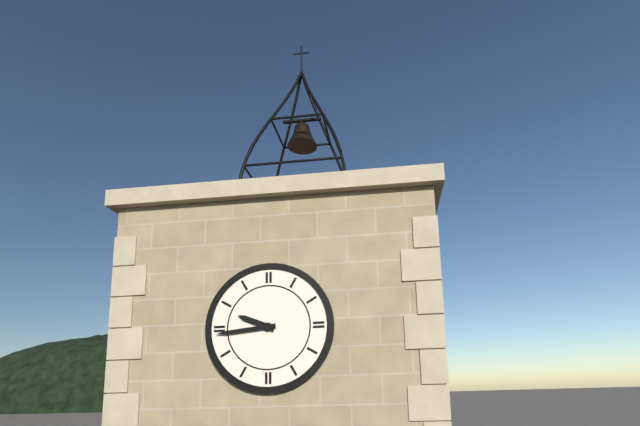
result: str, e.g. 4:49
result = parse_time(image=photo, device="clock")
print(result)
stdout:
9:44
